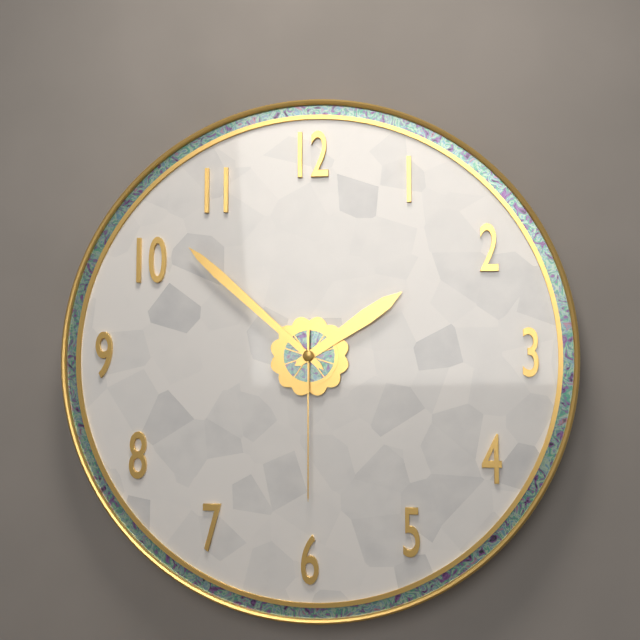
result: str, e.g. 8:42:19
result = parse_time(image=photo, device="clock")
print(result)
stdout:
1:52:30
